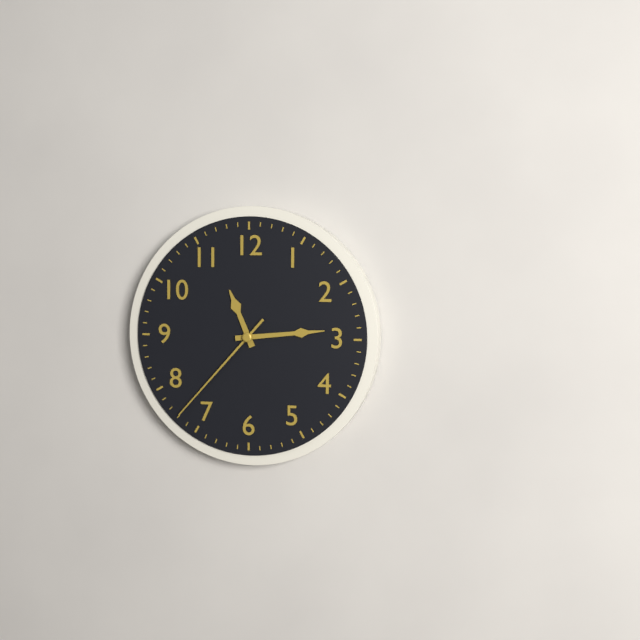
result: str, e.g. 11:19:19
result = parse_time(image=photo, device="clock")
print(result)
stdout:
11:14:37
